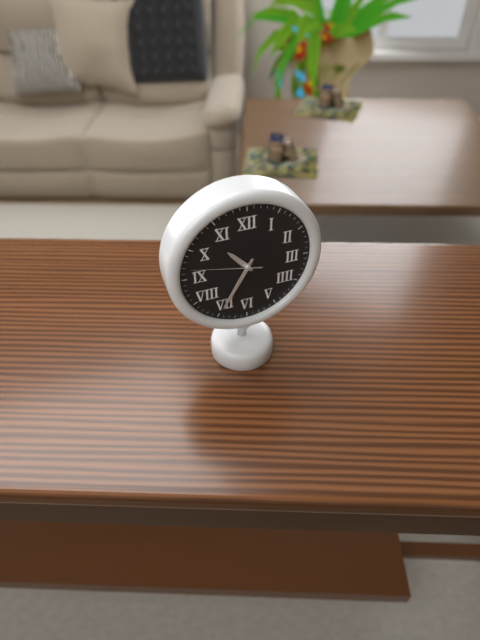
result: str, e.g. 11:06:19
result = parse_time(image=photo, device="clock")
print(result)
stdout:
10:35:47
